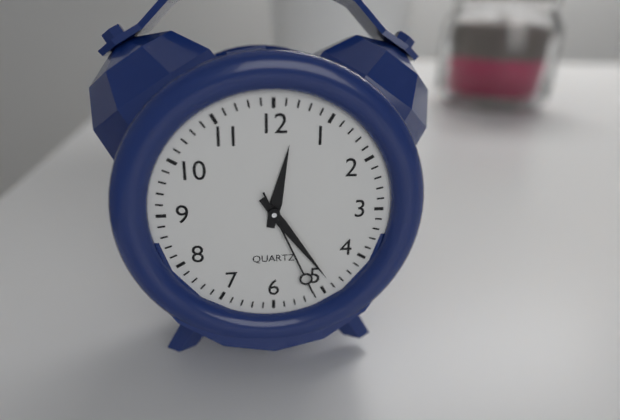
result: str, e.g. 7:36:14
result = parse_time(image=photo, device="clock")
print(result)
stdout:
12:24:26
